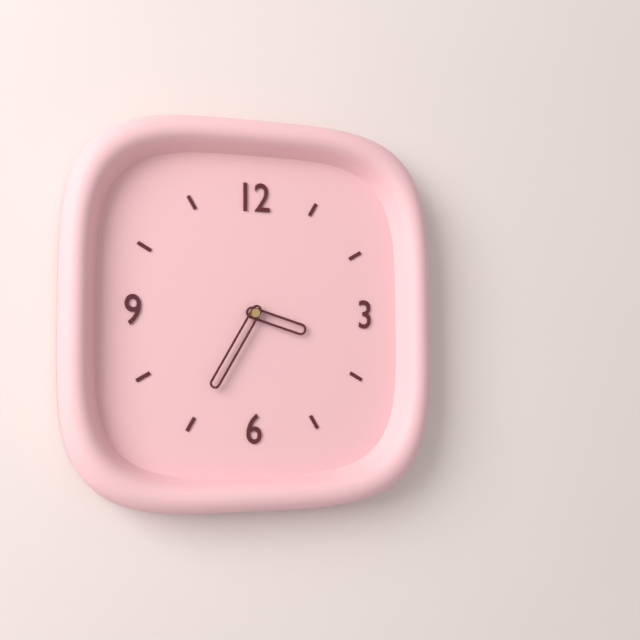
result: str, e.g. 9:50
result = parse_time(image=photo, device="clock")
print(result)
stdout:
3:35
